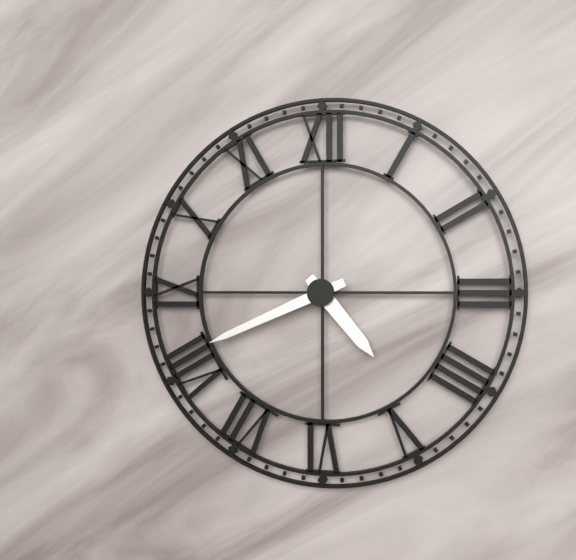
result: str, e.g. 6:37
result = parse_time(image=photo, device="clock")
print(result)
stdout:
4:41
